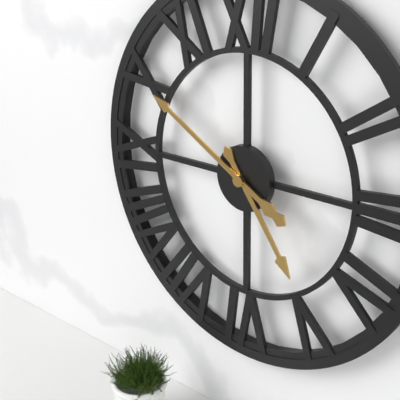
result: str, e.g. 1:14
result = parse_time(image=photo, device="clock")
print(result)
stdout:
4:50
